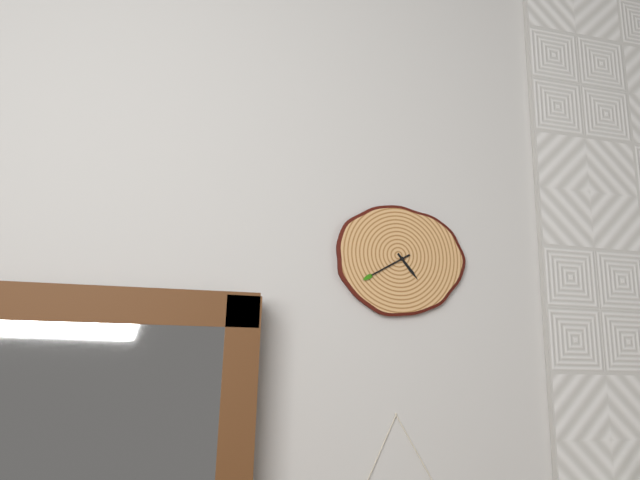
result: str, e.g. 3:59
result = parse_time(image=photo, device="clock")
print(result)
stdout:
4:40
